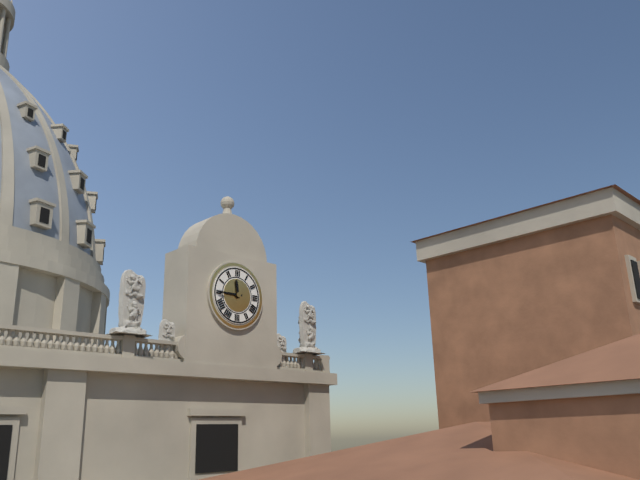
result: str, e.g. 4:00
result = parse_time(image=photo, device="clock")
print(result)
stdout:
11:45
